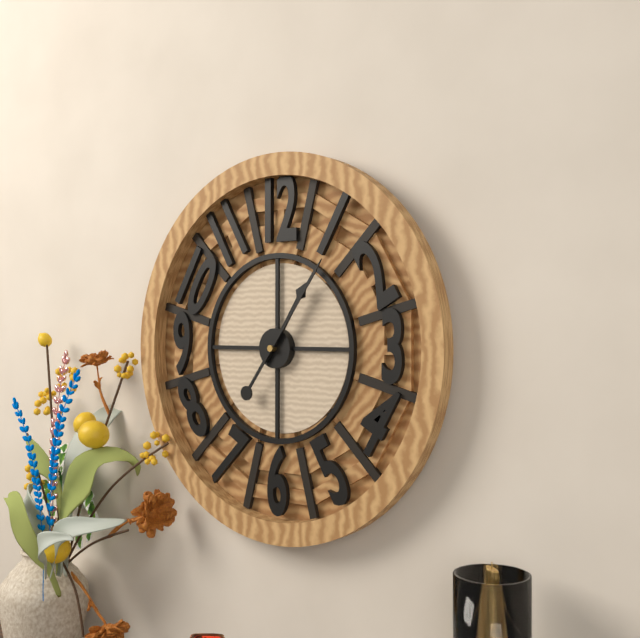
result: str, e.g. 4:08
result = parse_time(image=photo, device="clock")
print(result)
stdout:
1:06
